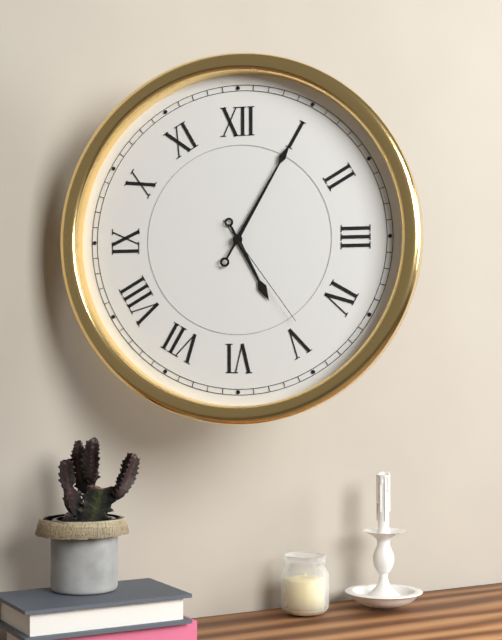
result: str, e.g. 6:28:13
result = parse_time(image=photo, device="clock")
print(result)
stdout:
5:05:24
